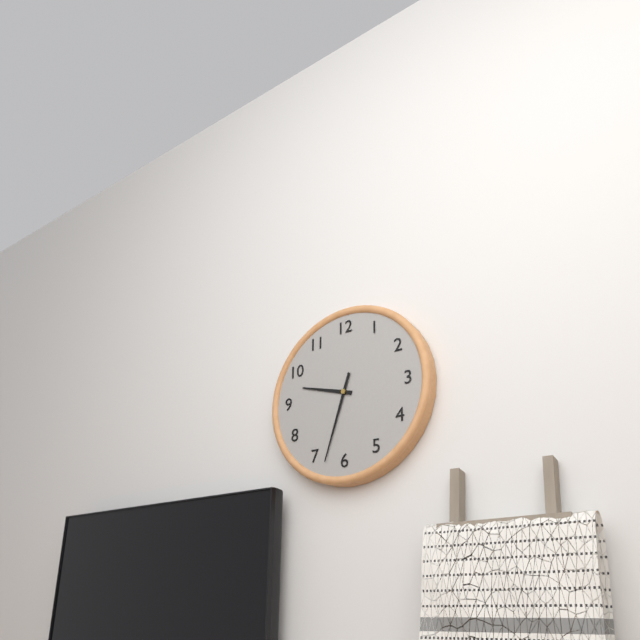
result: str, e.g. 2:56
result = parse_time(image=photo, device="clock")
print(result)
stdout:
9:33
